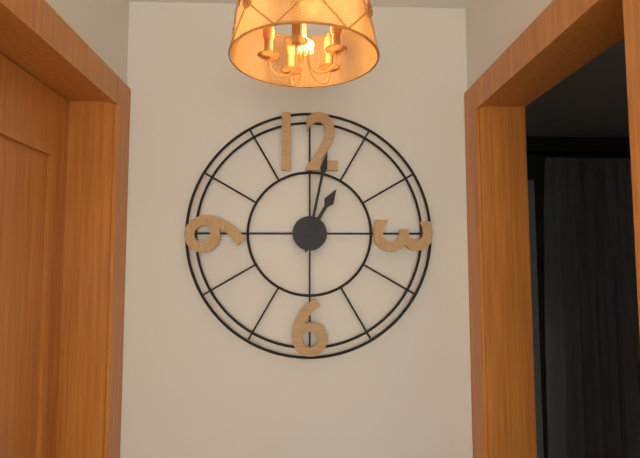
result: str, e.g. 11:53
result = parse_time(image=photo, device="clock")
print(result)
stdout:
1:02
